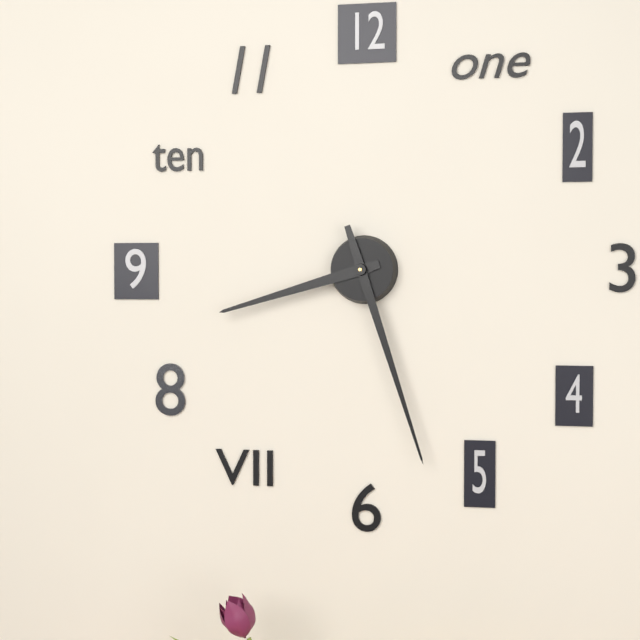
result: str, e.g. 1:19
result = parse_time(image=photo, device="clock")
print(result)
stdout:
8:27
